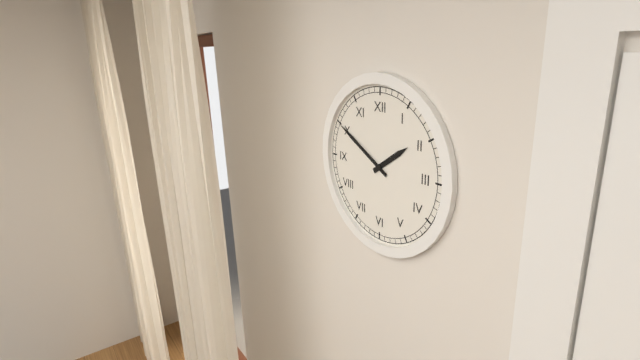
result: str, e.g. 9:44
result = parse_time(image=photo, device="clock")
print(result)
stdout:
1:50
